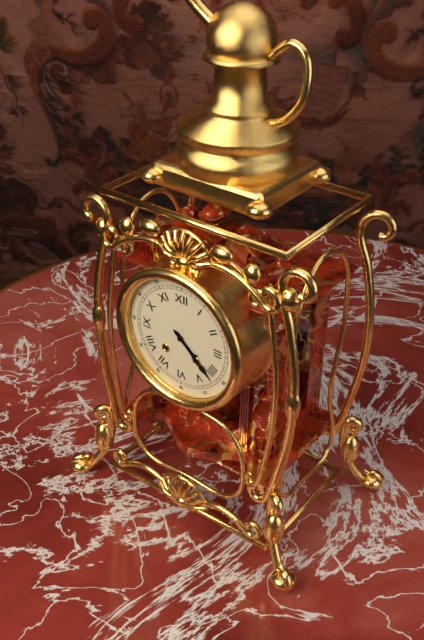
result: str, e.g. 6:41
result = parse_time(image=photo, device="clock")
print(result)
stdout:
4:22
